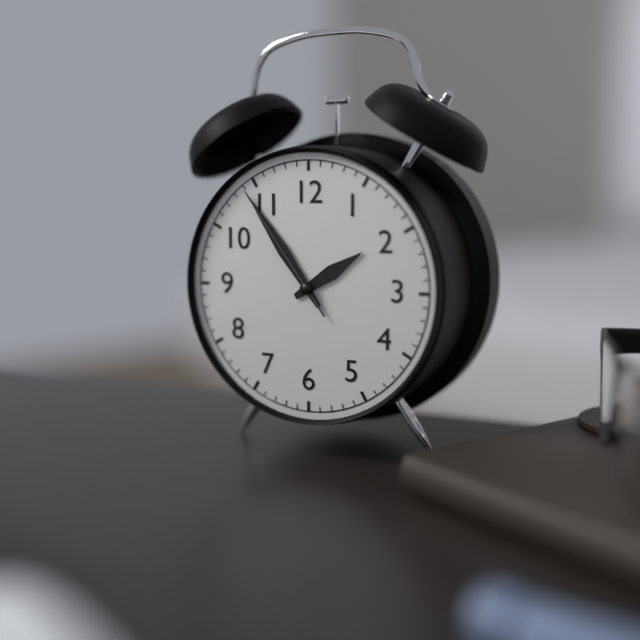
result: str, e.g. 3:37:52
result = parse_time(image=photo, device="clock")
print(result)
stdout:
1:54:54
